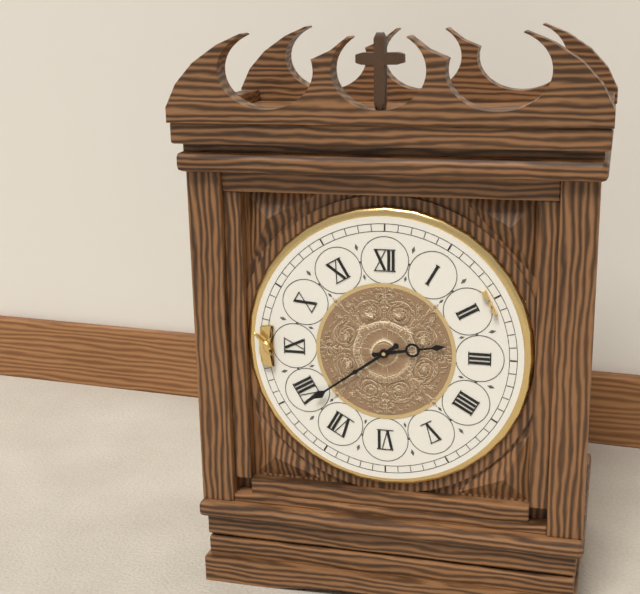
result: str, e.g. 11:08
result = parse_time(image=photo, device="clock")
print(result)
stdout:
2:39
